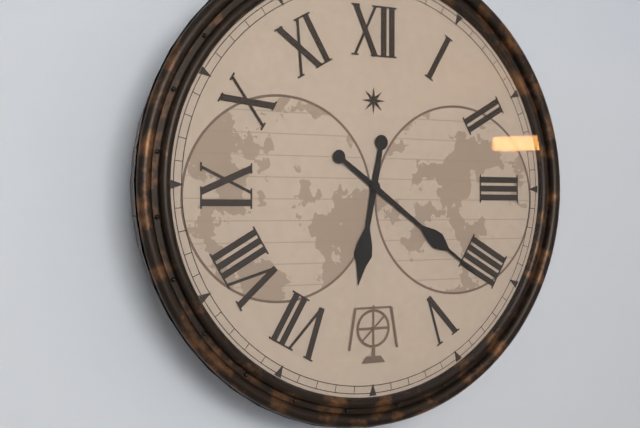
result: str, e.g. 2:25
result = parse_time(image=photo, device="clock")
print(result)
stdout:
6:21
